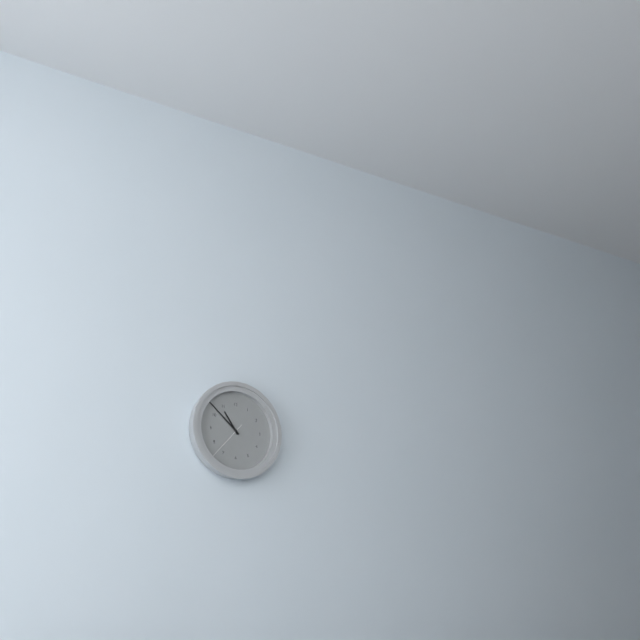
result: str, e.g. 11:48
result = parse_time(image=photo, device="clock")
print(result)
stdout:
10:52
